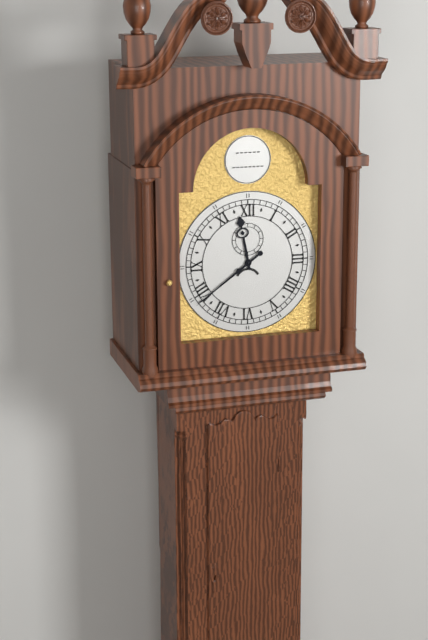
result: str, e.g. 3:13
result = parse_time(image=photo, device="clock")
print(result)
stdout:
11:39
